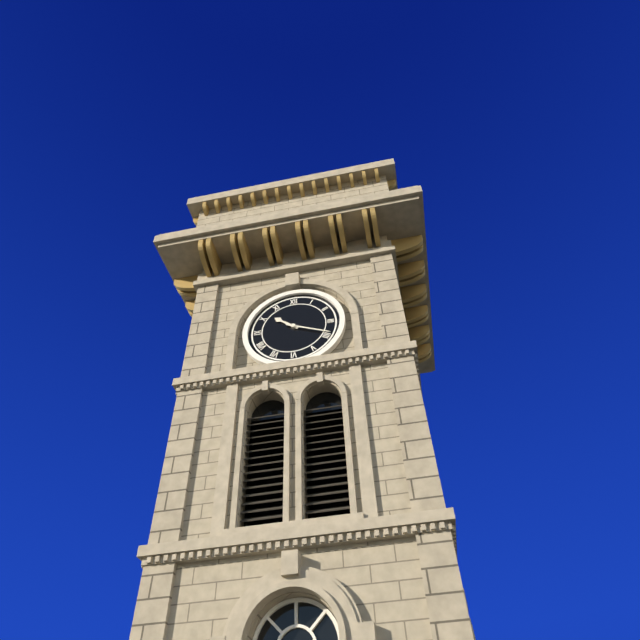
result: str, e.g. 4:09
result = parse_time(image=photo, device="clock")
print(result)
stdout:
10:19
